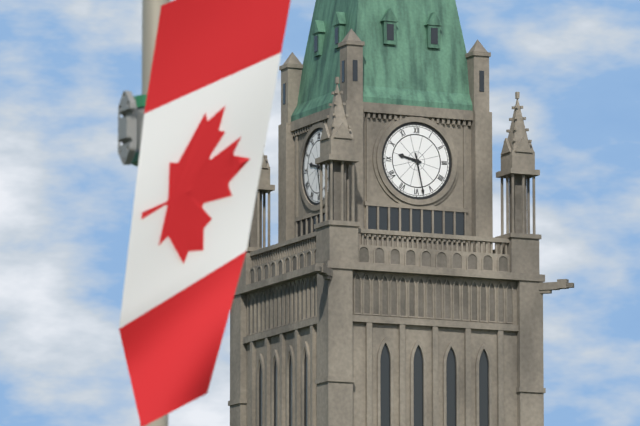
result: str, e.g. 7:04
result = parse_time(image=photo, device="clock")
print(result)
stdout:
9:28
